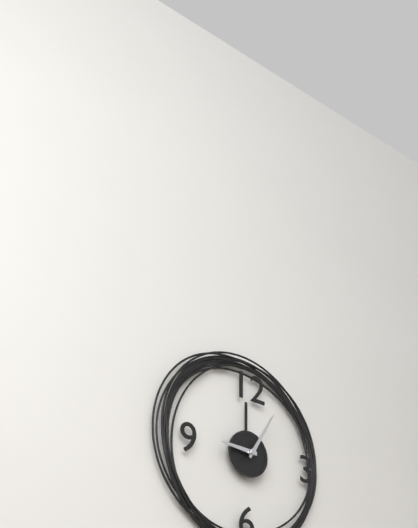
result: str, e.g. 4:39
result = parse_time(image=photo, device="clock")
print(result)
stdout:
9:05
